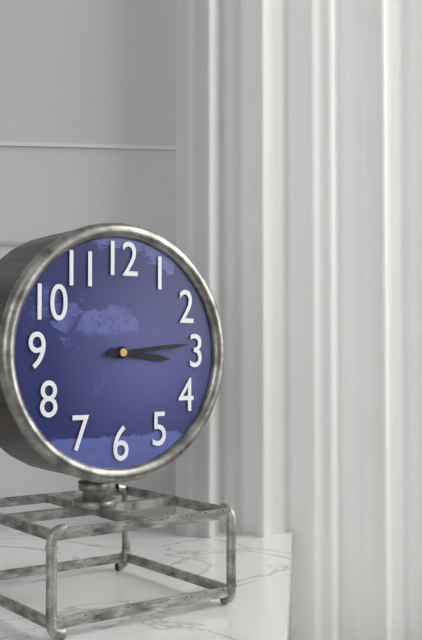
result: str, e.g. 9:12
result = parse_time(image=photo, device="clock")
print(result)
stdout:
3:14
